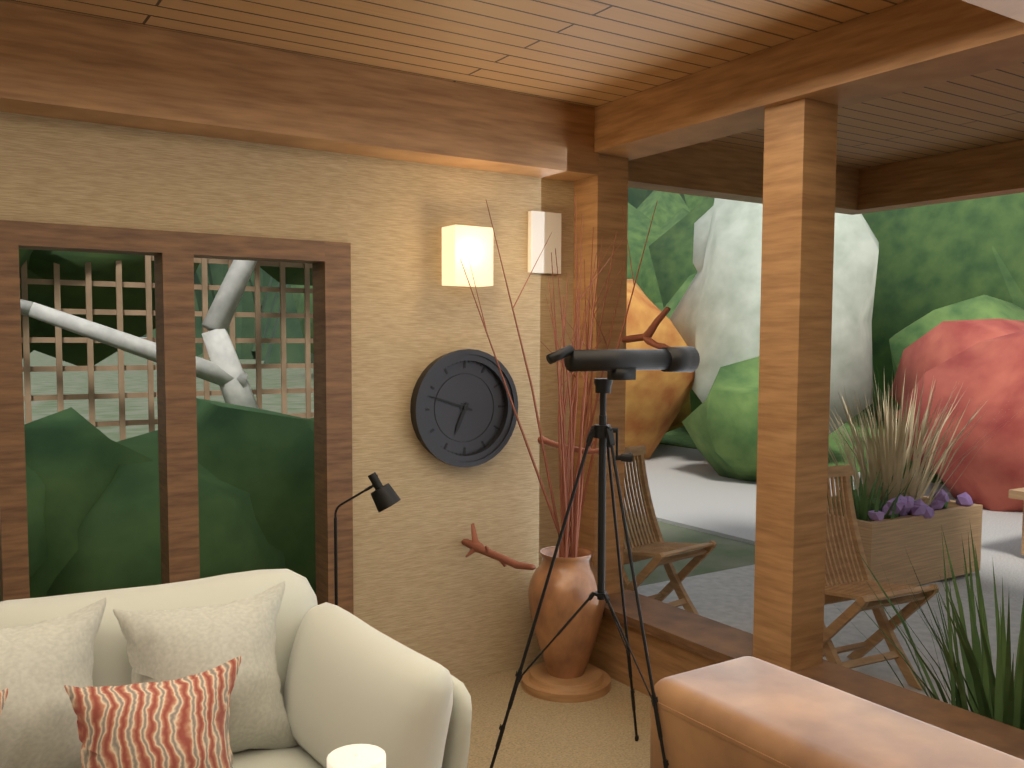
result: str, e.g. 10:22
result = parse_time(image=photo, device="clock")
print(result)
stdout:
6:48
